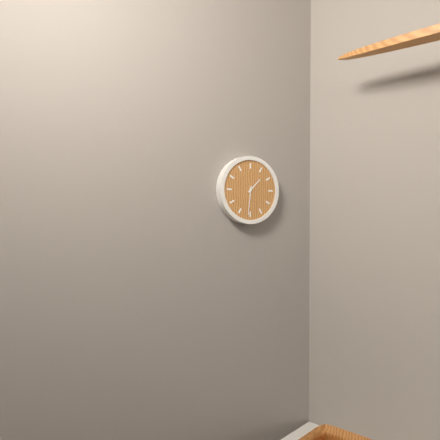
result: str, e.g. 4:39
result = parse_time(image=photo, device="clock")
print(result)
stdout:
1:31
